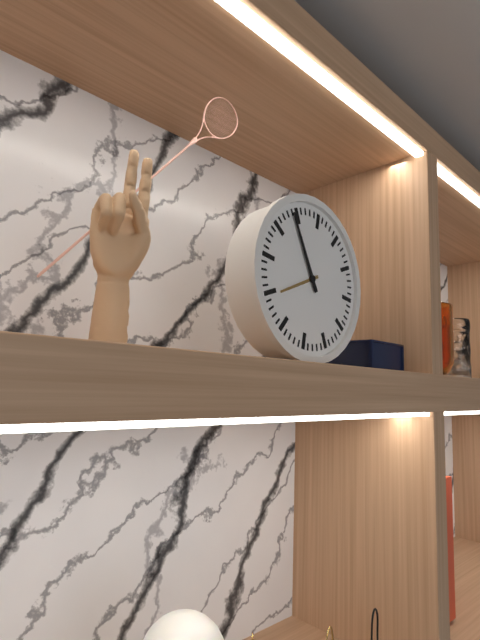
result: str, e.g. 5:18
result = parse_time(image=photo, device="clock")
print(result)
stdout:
7:54
